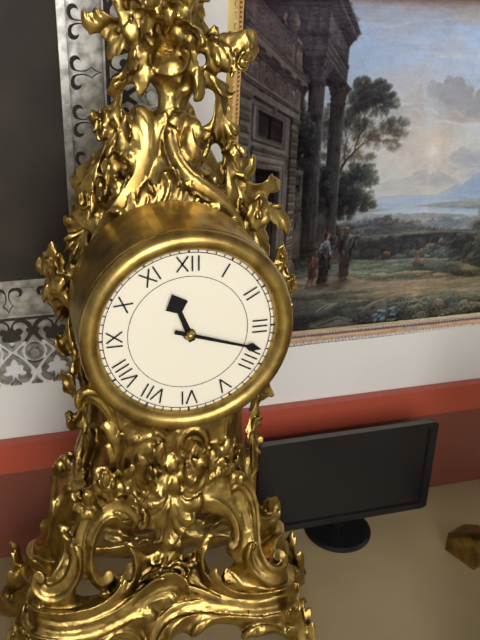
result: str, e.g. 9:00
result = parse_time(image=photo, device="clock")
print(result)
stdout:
11:18
